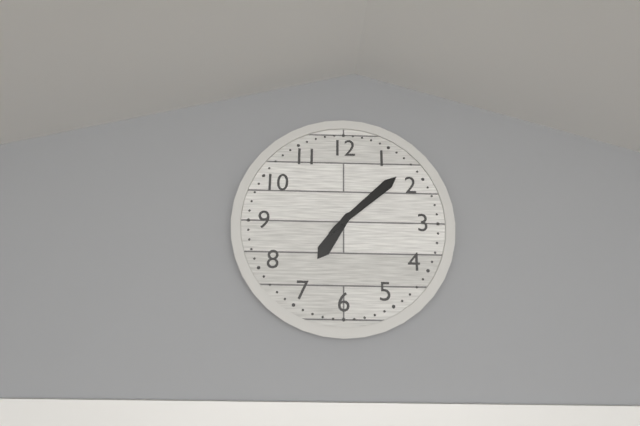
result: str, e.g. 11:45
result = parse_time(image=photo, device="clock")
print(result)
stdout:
7:08
